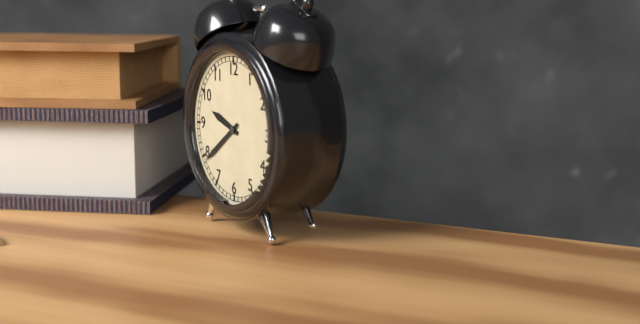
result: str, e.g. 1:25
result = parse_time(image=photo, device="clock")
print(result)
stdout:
9:39
